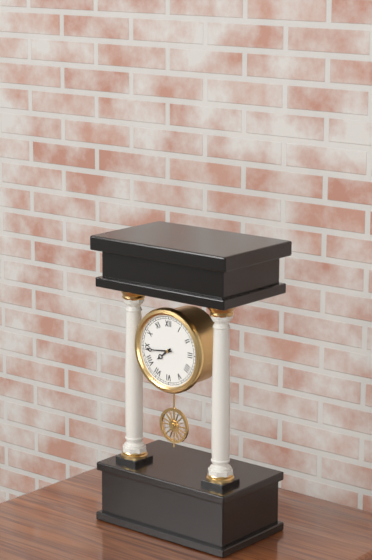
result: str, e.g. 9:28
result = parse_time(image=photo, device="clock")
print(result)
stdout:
7:44
